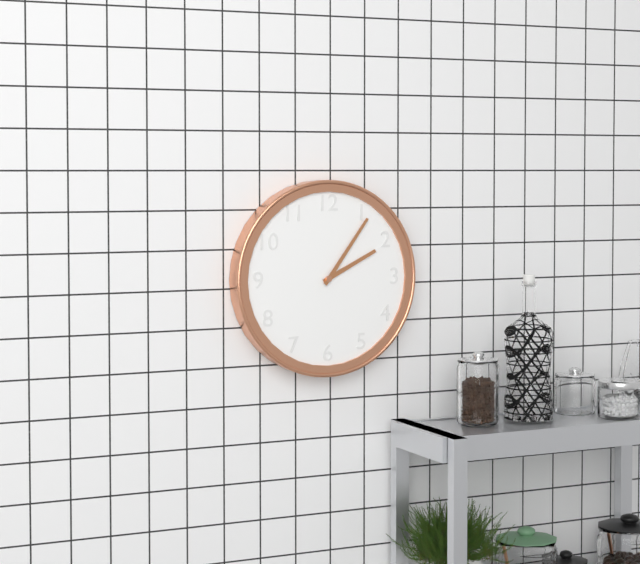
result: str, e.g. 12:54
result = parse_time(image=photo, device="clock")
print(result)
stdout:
2:06
